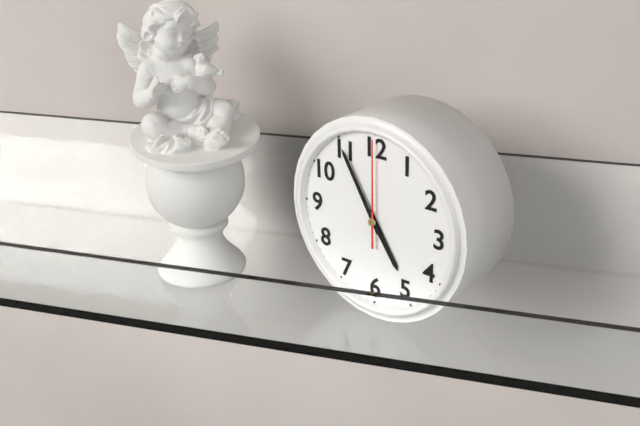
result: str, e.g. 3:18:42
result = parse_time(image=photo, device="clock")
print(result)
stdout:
4:55:00
